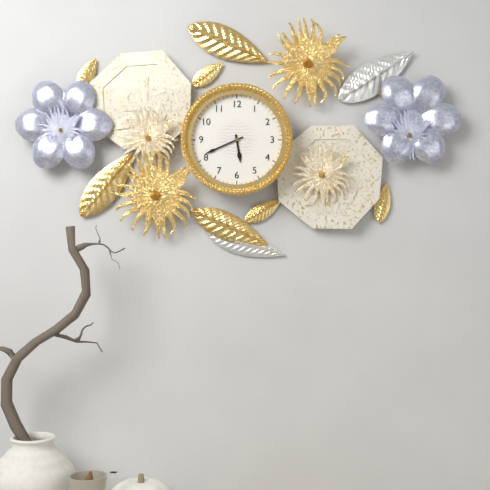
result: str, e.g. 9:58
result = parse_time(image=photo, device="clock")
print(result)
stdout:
5:41
